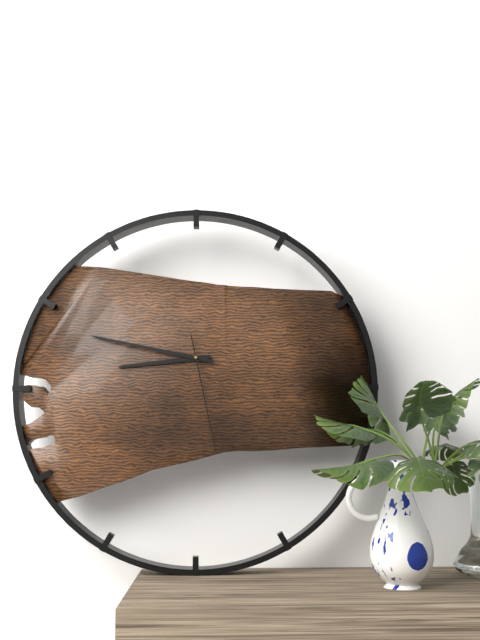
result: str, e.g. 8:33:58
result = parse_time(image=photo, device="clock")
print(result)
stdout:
8:47:28
